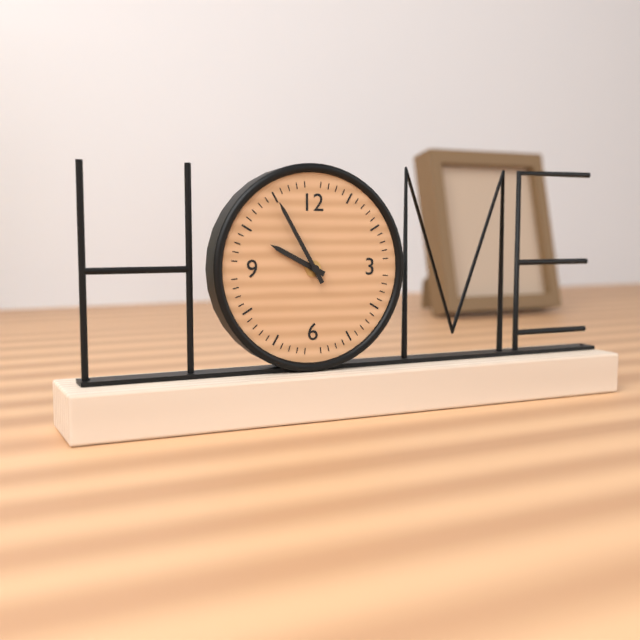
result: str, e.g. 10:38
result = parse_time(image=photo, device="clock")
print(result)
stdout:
9:55
